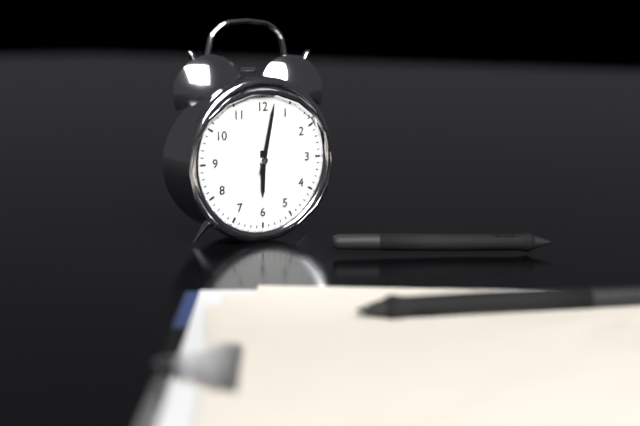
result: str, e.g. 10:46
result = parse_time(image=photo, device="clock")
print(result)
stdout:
6:02
